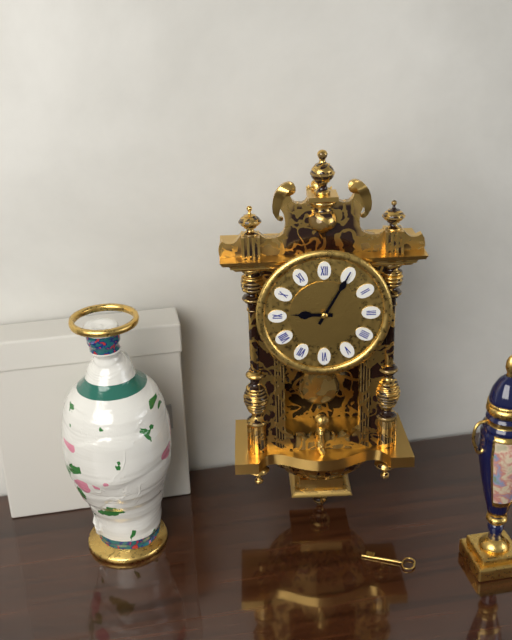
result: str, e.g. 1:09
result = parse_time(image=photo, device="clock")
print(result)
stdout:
9:05
